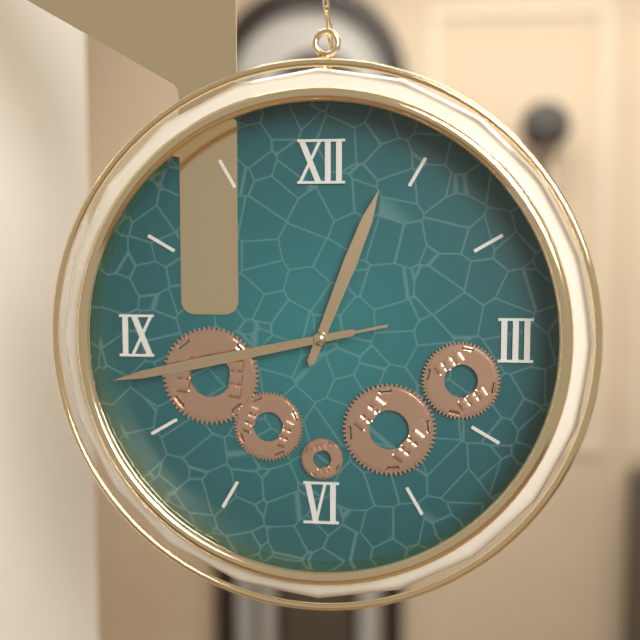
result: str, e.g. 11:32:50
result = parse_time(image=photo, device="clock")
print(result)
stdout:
12:43:43
